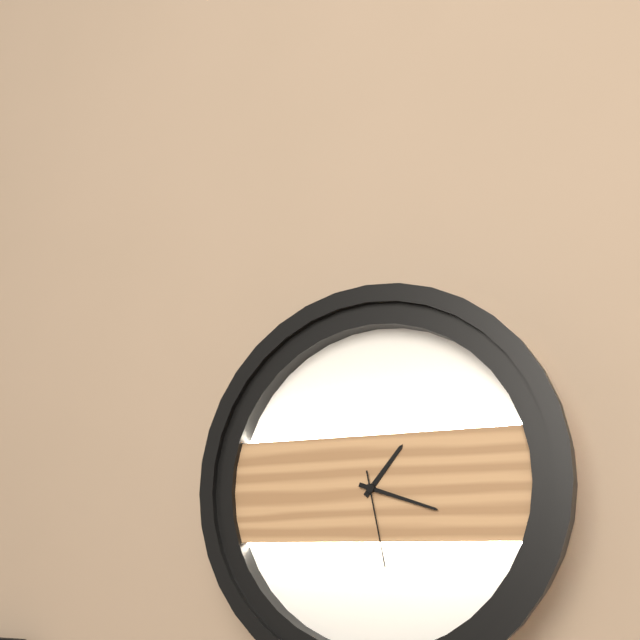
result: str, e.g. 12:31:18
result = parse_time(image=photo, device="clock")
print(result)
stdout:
1:18:28
